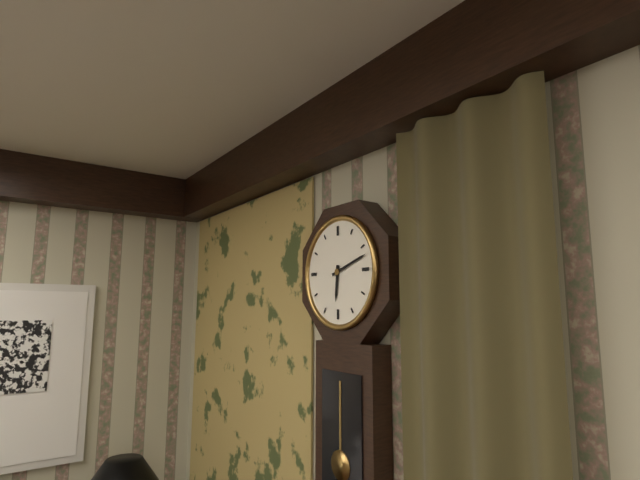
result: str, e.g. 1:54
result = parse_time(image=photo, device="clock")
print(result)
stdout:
6:12
